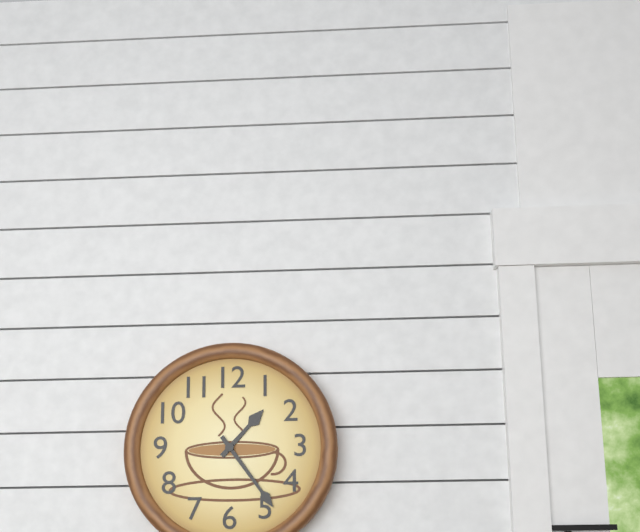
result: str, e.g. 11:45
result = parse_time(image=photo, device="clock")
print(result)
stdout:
1:24
